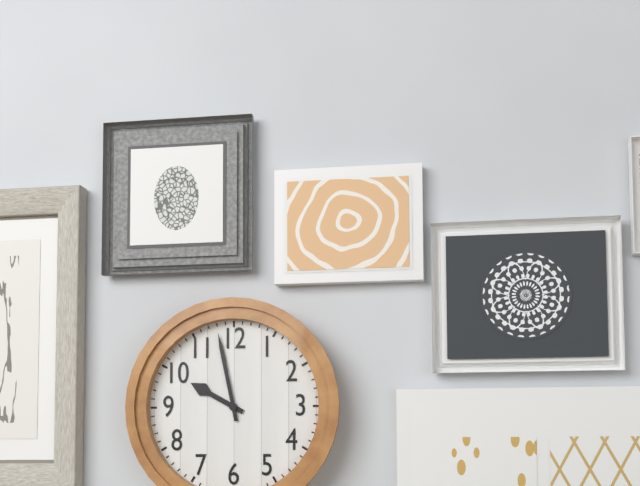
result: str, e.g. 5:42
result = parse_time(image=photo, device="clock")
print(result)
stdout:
9:58
